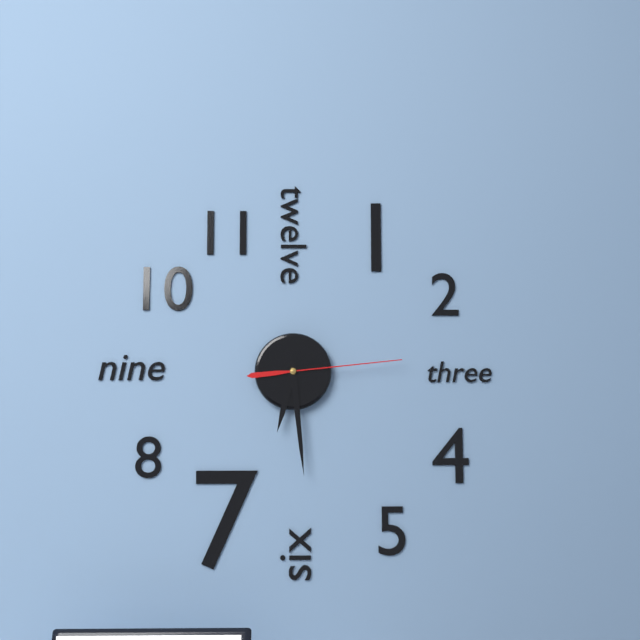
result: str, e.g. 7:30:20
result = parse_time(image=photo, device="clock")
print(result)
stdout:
6:29:14
